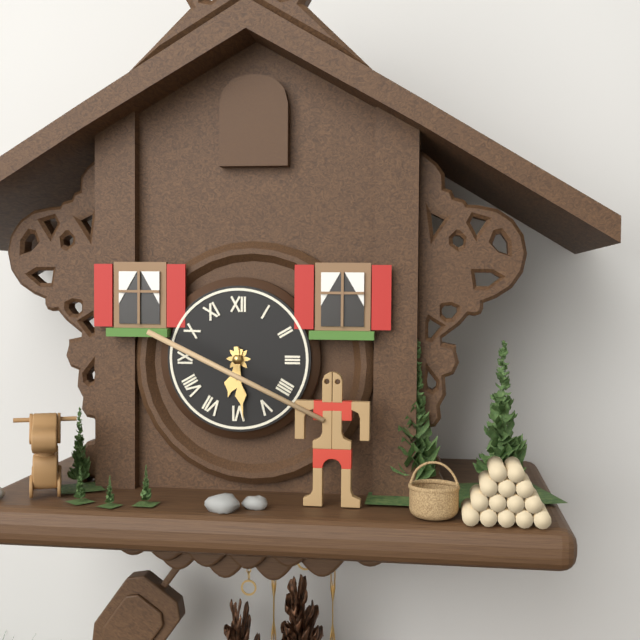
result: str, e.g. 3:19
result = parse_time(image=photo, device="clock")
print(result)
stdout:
6:29
